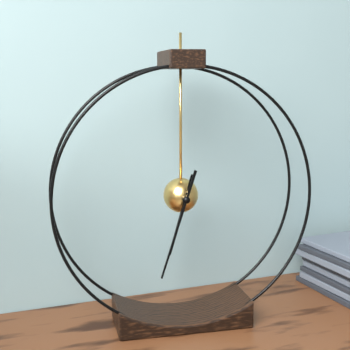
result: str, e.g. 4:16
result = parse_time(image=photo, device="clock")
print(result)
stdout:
6:33
